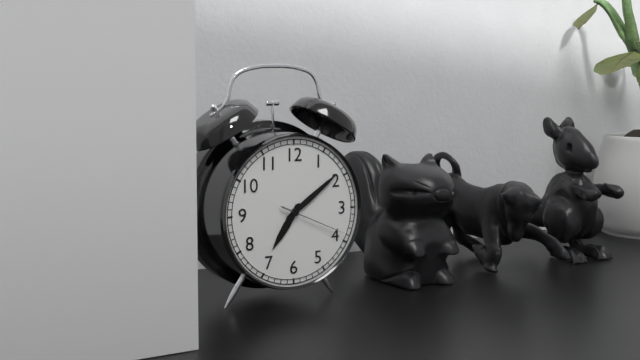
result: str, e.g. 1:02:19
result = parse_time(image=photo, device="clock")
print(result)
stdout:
7:09:19
